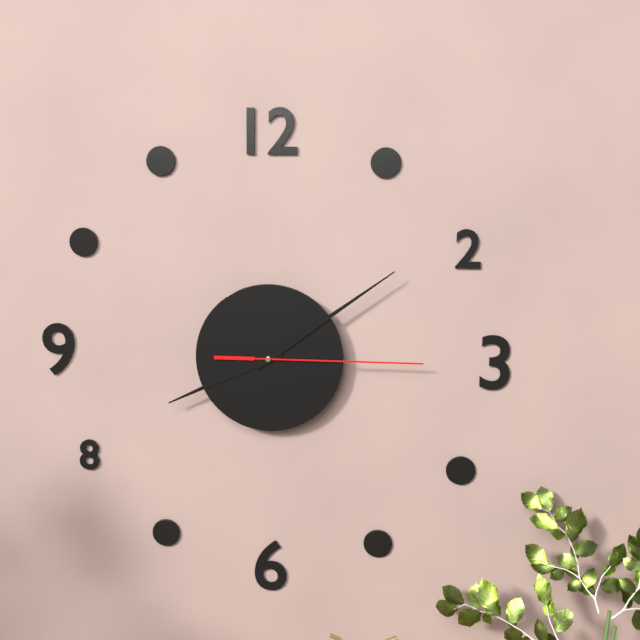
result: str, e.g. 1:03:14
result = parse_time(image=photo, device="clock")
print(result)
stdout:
8:09:15
